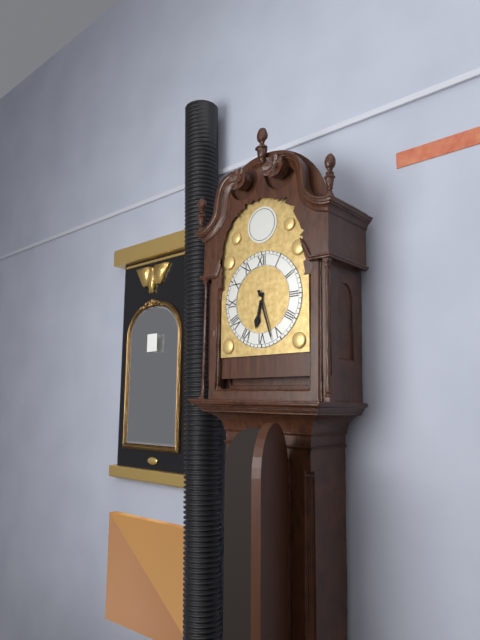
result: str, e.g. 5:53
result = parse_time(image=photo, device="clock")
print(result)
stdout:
6:27
